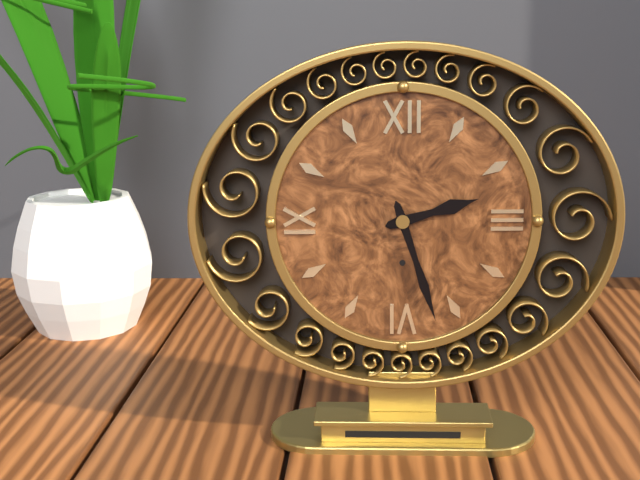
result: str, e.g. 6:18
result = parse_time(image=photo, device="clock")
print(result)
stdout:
2:27
